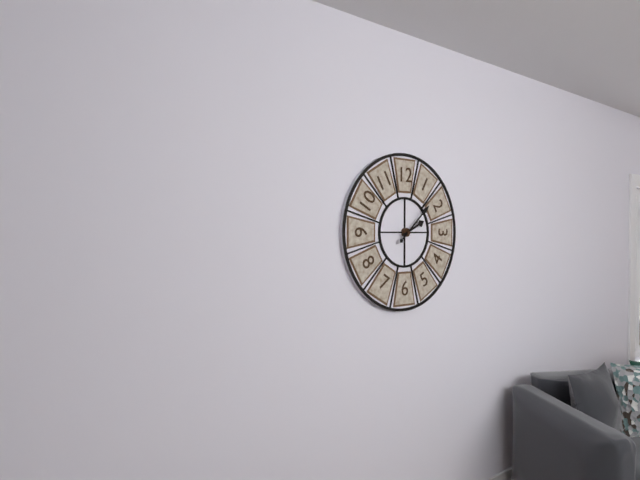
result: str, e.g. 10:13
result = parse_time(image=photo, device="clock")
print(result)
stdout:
2:08
